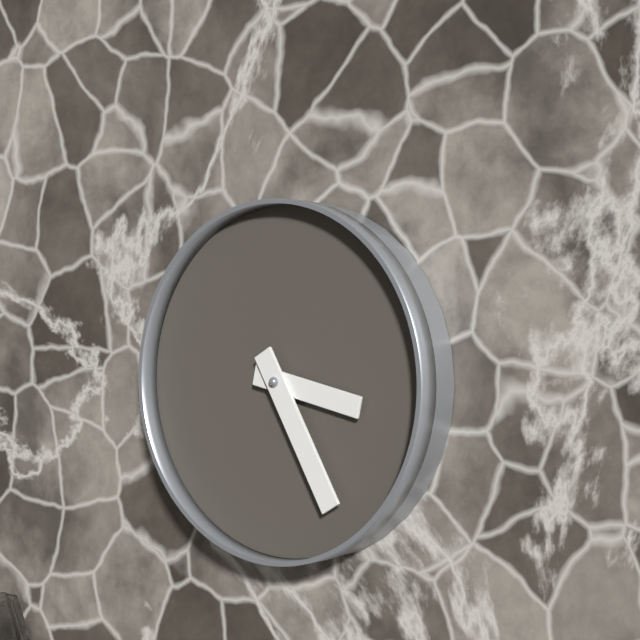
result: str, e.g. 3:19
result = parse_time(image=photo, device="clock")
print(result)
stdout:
3:25
